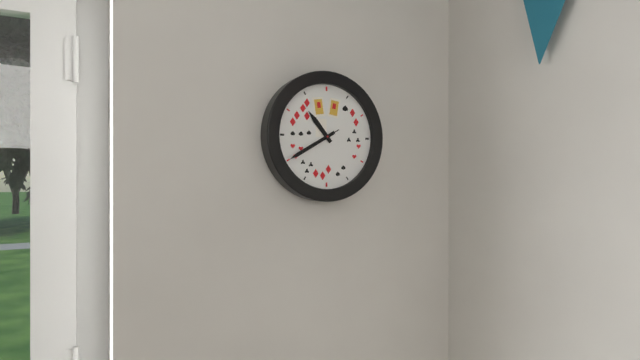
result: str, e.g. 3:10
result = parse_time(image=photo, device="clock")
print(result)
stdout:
10:40
